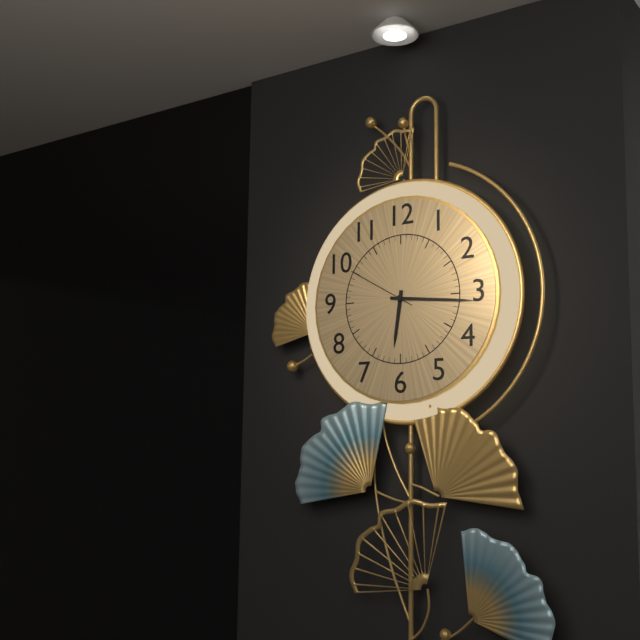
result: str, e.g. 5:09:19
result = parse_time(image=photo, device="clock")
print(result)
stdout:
6:16:50
